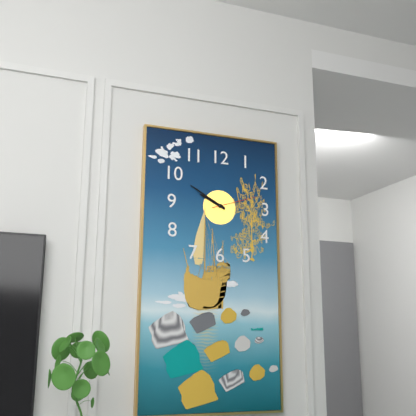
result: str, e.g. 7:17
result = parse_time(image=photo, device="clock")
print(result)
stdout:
9:50
